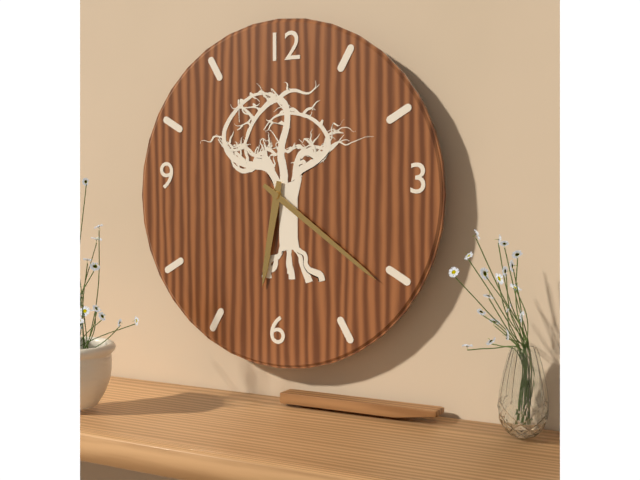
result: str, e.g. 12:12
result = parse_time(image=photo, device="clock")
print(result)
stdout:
6:21
